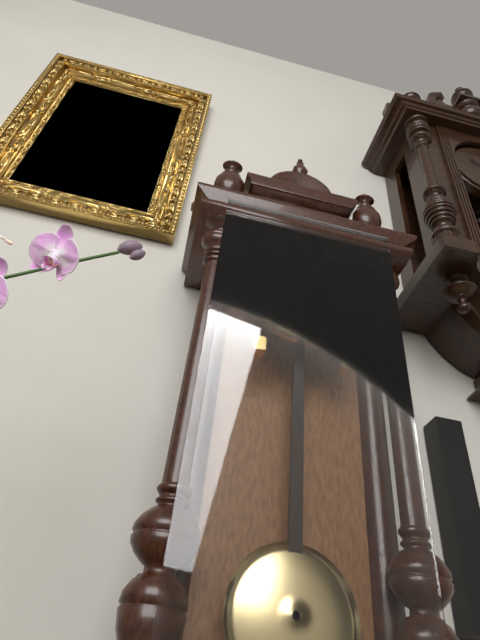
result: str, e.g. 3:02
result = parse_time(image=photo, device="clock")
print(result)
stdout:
7:19
